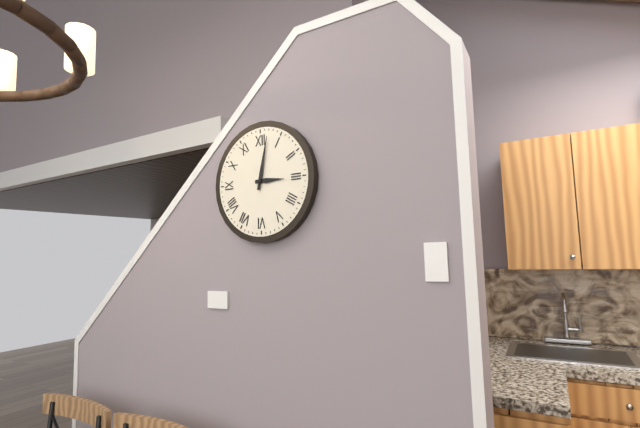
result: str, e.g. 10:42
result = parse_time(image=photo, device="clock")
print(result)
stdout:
3:02
